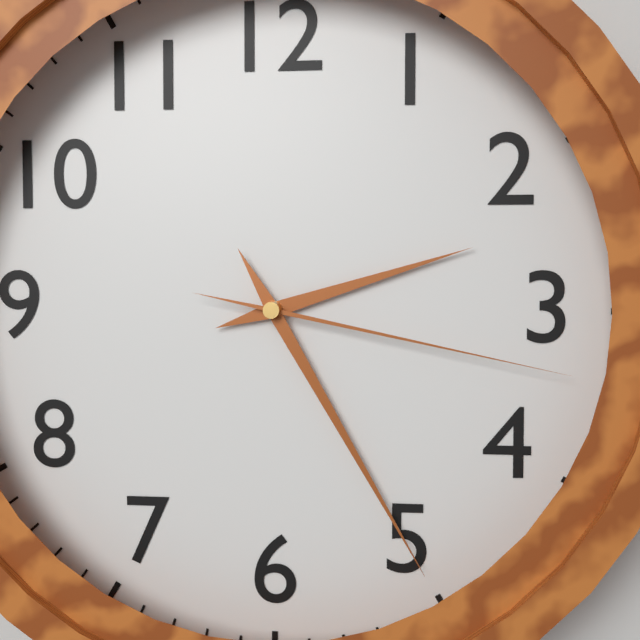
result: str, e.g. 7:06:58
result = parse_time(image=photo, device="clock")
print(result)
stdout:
2:25:17
